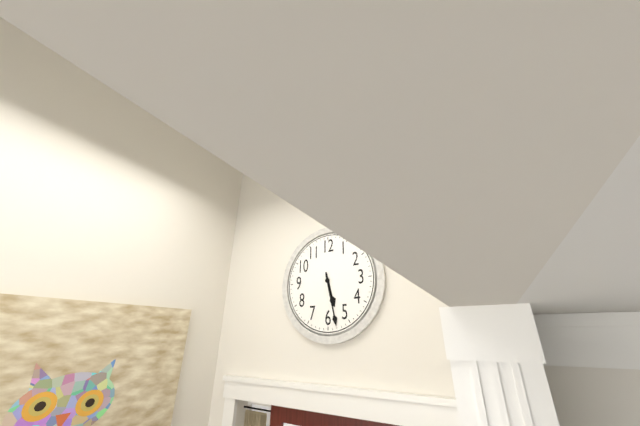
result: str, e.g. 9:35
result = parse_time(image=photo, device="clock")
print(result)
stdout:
5:28
